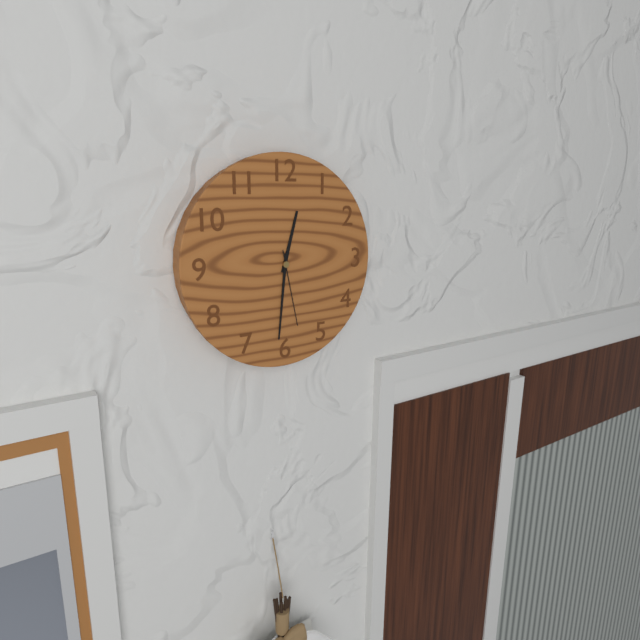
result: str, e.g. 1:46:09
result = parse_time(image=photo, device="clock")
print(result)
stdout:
12:31:28
